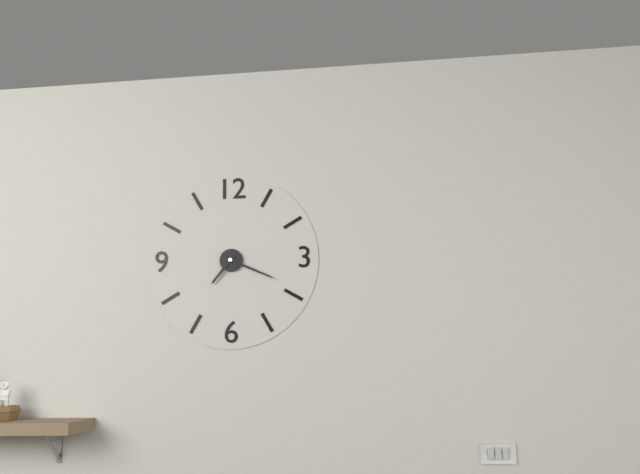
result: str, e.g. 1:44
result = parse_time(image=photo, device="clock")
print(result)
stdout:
7:19
